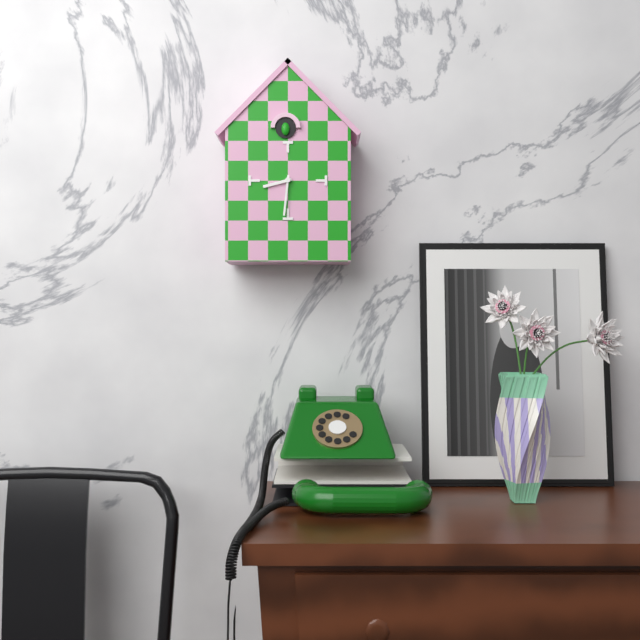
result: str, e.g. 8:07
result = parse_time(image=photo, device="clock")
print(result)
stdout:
8:31
